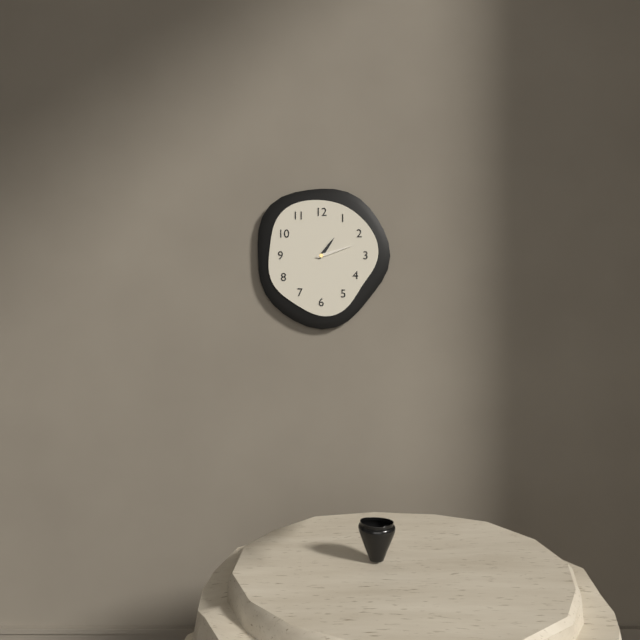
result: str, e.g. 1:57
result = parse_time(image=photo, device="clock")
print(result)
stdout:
1:12
